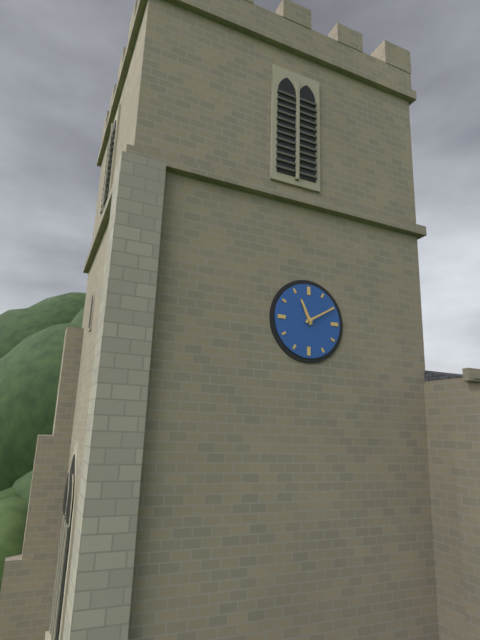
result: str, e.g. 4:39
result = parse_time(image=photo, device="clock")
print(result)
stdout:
11:10
